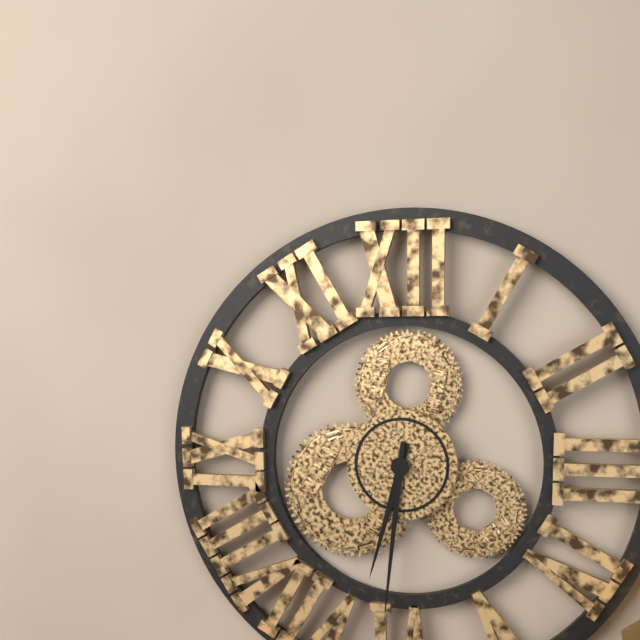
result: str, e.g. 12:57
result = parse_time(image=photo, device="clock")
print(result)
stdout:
6:31
